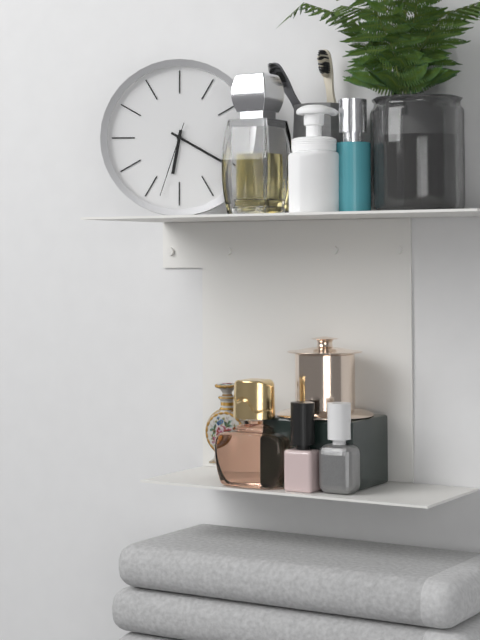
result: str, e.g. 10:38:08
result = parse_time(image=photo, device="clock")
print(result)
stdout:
6:20:33
